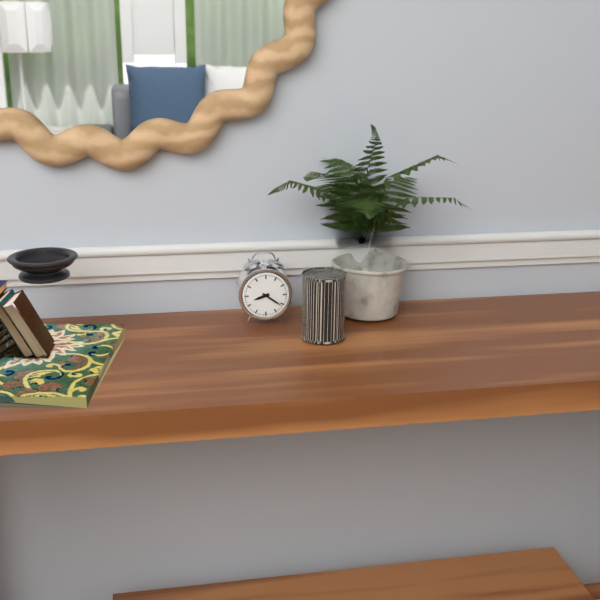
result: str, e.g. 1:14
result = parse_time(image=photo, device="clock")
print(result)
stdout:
8:21
